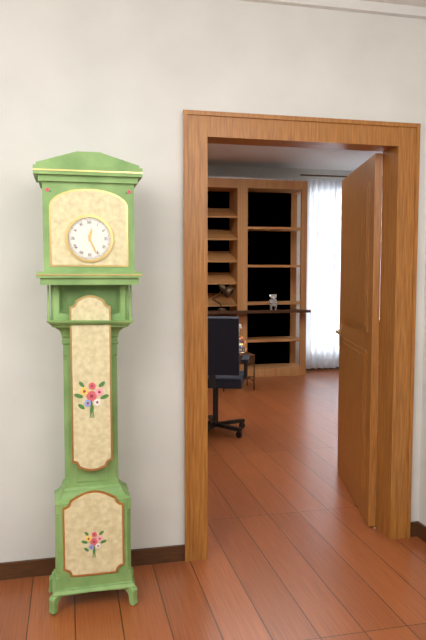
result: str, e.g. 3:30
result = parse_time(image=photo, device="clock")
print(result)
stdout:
12:26
